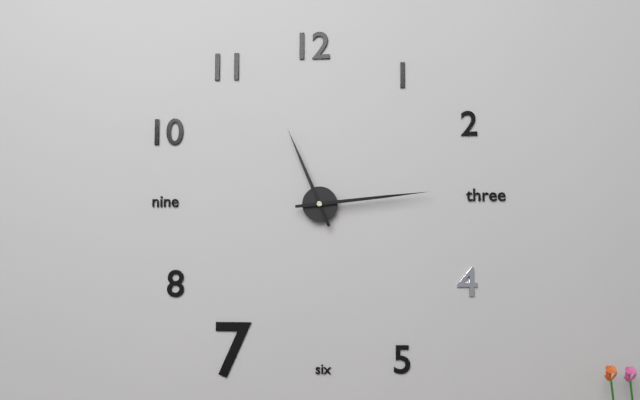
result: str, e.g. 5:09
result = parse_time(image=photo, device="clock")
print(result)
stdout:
11:14
